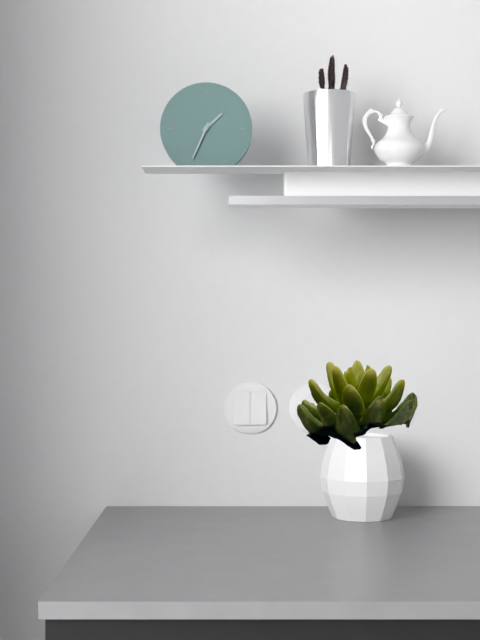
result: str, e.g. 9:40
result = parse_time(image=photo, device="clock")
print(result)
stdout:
1:34
